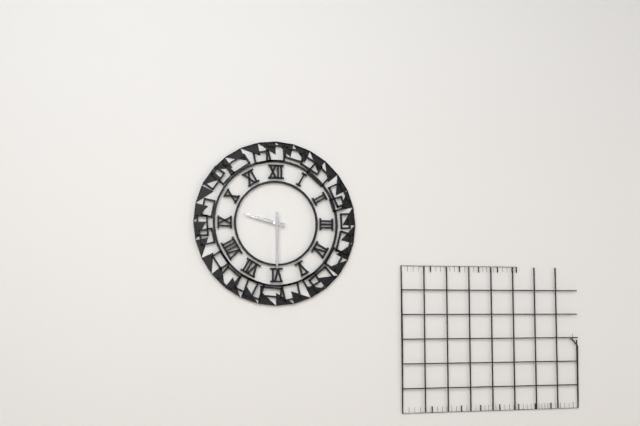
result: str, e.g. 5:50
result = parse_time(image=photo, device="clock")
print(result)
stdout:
9:30
